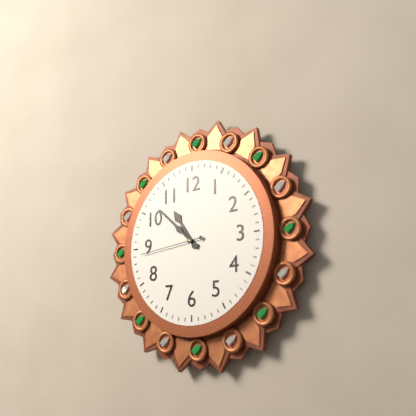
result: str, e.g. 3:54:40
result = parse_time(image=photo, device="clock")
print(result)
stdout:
10:52:44
